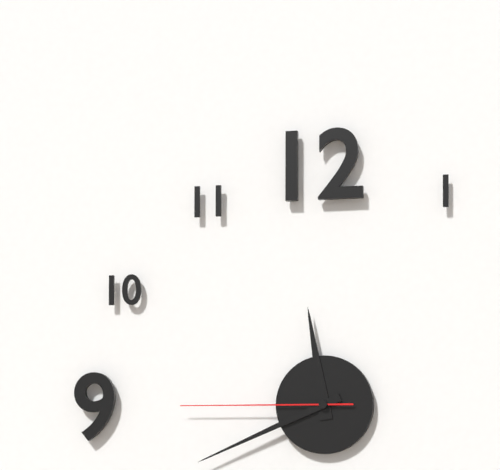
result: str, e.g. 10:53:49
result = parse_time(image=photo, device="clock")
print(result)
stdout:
11:41:45
